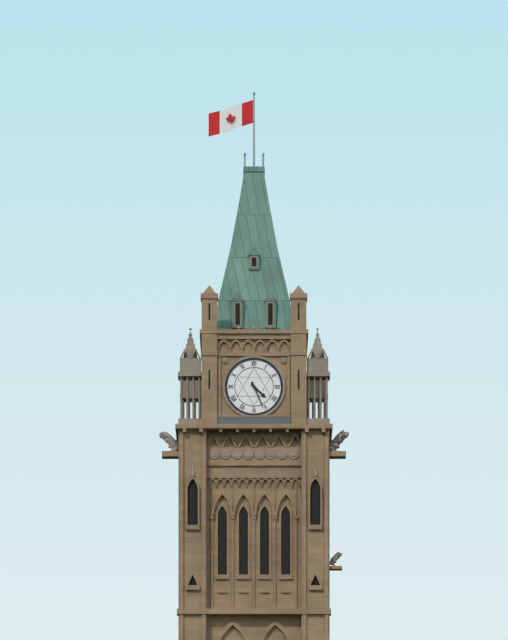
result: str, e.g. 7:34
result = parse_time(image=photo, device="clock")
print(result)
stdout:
4:26
